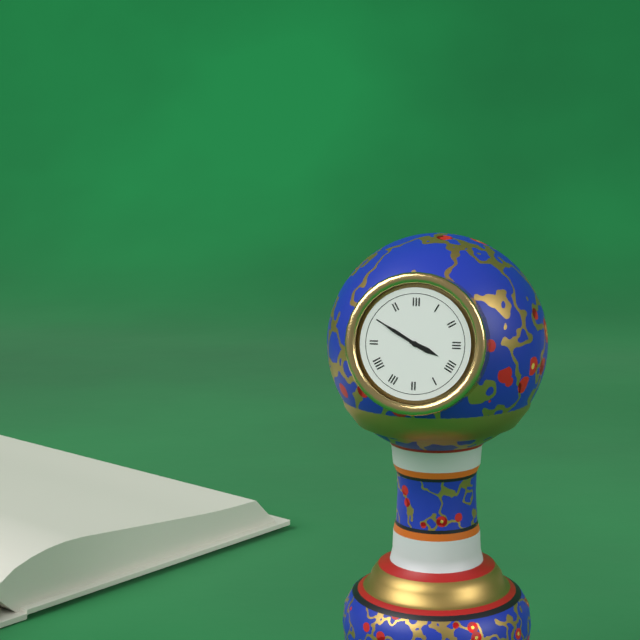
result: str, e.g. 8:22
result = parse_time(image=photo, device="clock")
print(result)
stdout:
3:50
